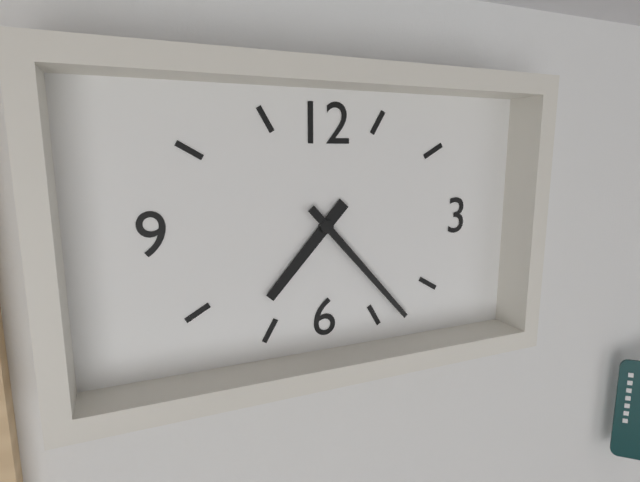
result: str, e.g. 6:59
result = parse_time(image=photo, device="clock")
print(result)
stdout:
7:23
